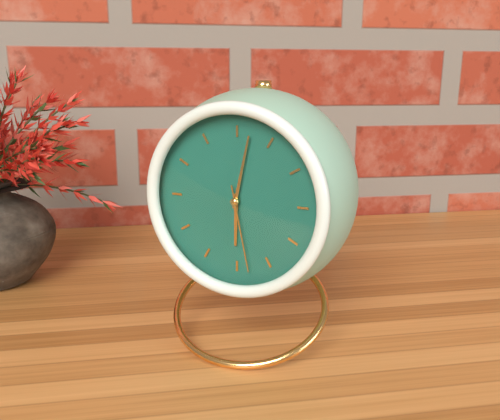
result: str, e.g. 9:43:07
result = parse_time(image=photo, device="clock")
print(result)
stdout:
6:02:28
